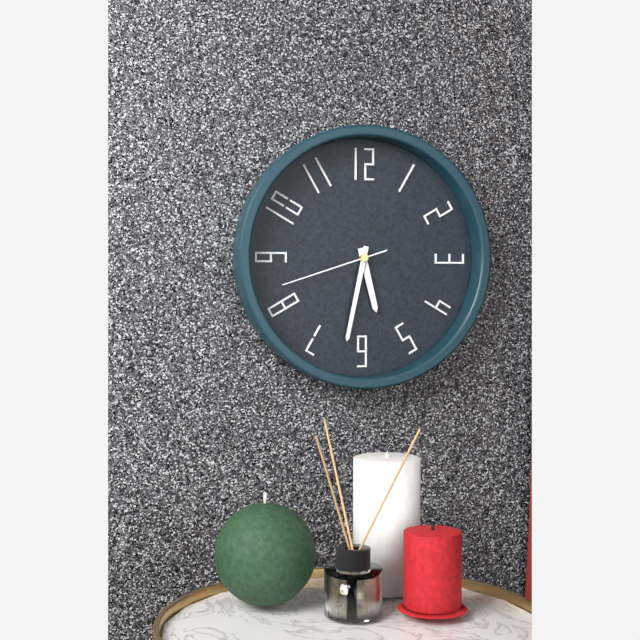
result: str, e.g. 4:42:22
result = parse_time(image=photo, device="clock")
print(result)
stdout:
5:32:42
